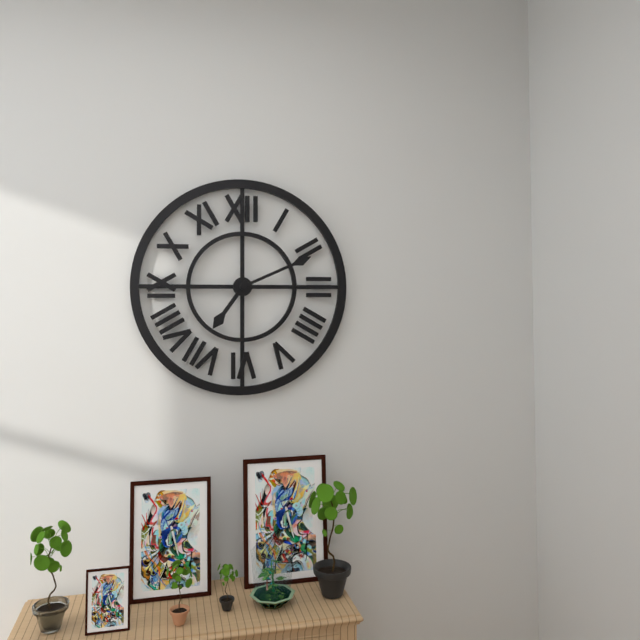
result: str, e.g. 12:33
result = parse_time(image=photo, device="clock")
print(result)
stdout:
7:11
